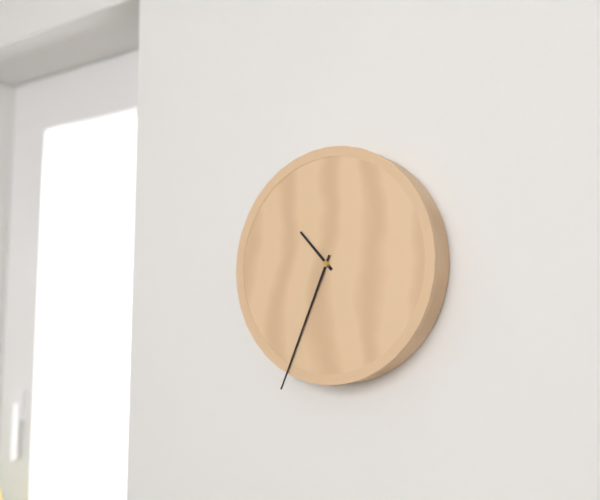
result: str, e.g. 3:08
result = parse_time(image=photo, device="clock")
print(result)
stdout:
10:34
